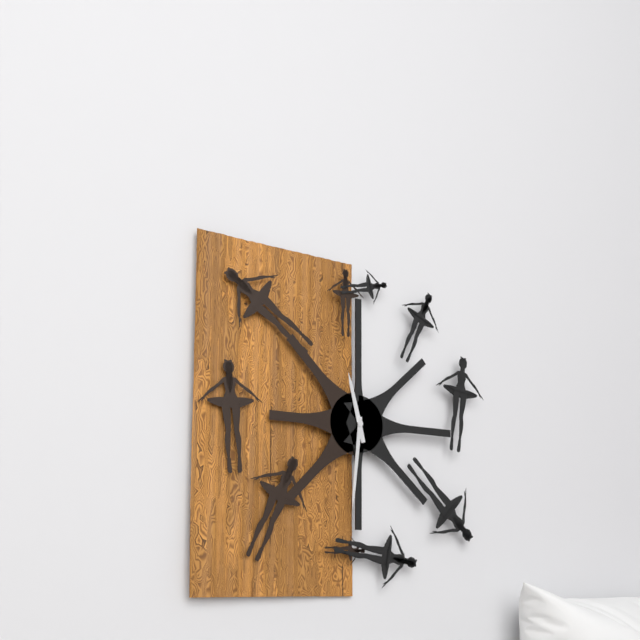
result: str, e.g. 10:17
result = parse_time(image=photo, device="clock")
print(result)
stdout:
11:31
